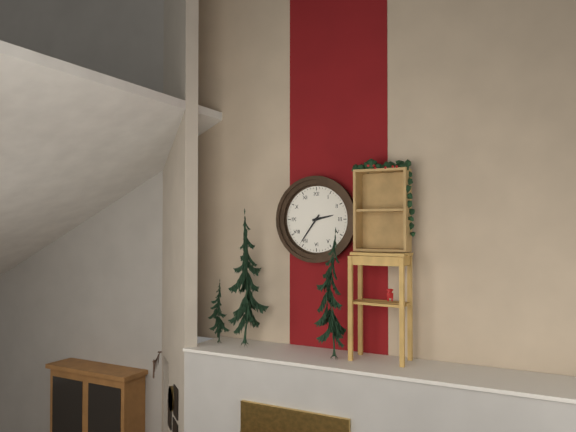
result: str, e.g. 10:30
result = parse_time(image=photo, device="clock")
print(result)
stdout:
2:36
